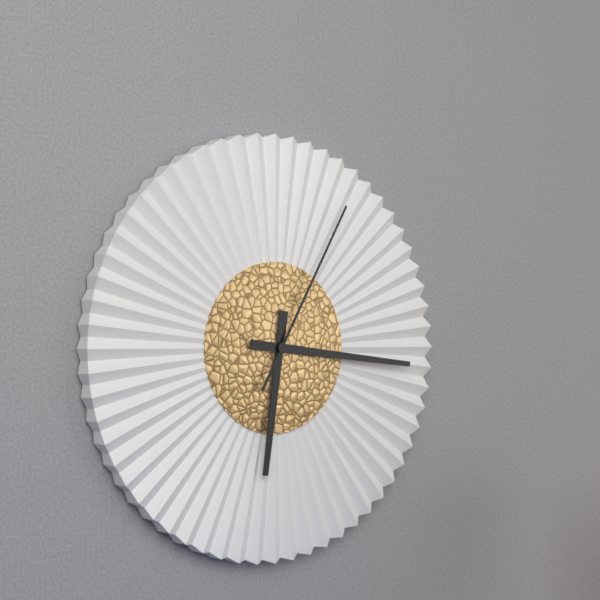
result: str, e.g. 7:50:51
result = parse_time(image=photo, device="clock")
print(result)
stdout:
6:16:05
